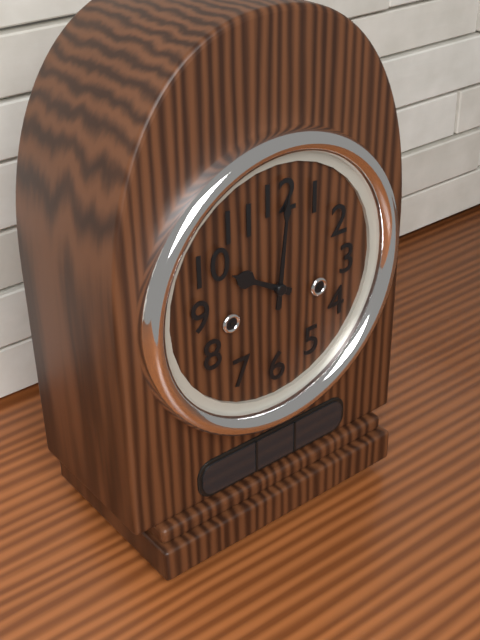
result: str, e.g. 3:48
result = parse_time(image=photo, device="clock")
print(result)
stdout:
10:01
